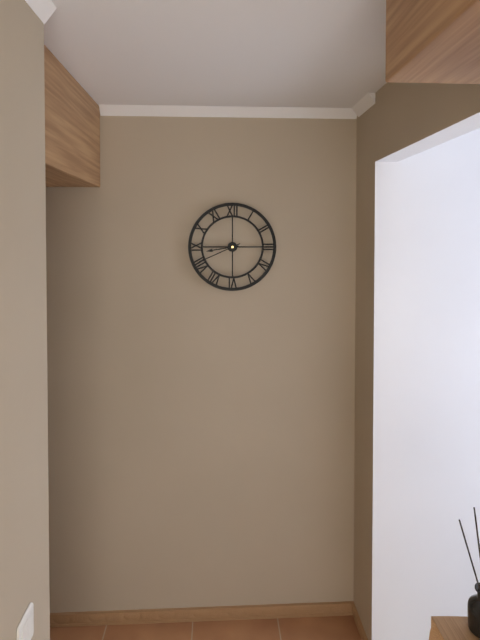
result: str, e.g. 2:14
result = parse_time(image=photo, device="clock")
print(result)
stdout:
8:41
